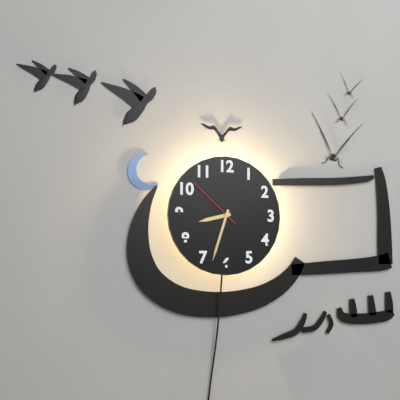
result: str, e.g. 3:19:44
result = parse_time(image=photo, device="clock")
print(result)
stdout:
8:33:52
